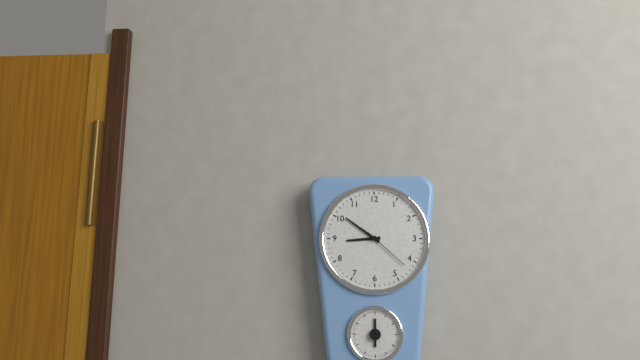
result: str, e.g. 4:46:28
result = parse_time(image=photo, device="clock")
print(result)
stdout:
8:51:22
